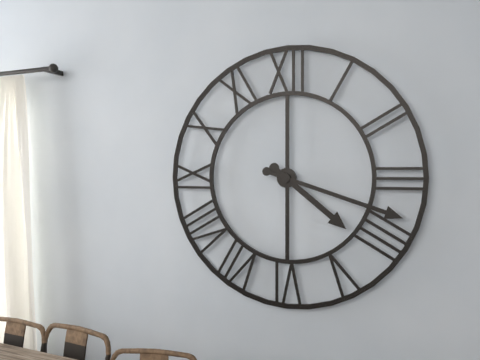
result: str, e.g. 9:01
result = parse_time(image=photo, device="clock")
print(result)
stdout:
4:18
